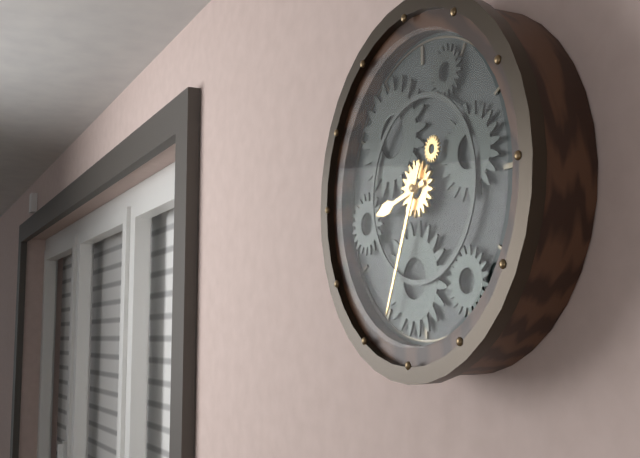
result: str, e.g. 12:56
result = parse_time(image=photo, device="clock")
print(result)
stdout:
8:34
